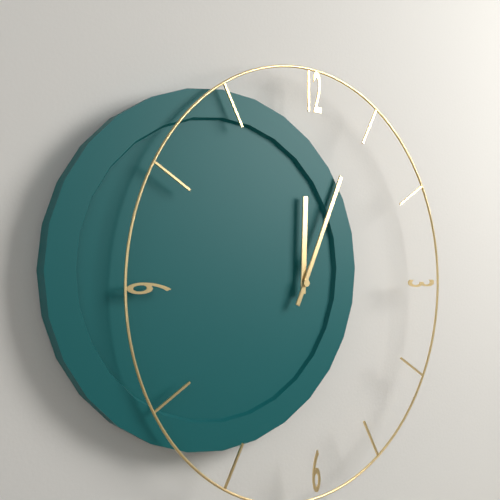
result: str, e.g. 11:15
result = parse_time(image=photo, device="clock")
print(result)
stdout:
12:04
